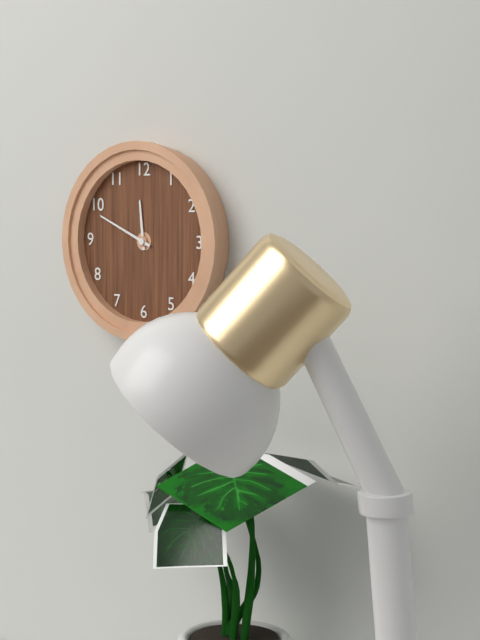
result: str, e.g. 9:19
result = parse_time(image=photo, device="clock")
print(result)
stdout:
11:49
